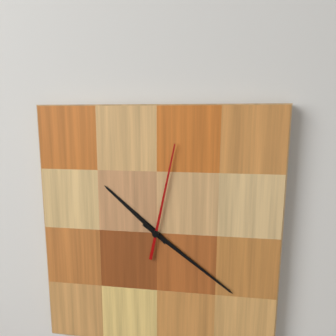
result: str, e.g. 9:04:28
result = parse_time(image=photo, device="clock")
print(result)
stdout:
10:21:02
